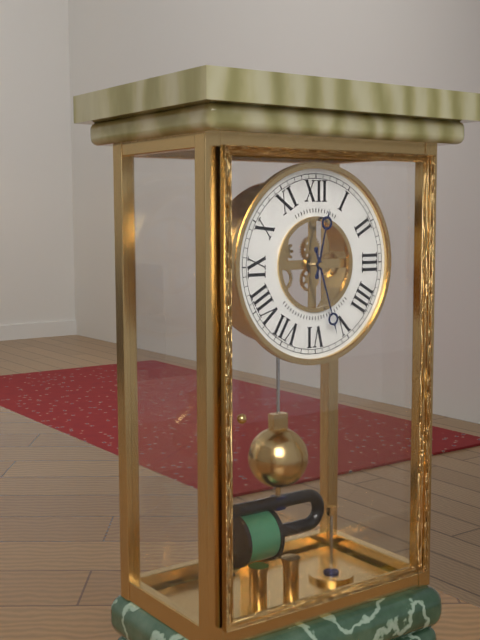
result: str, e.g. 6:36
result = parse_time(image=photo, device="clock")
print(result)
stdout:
12:27
